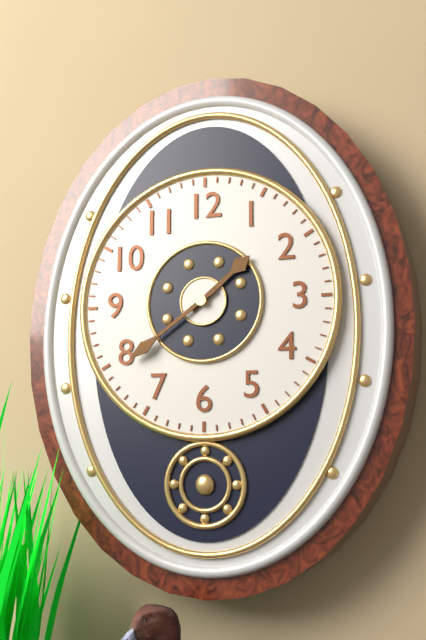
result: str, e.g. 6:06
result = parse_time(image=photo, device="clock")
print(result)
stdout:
1:39
